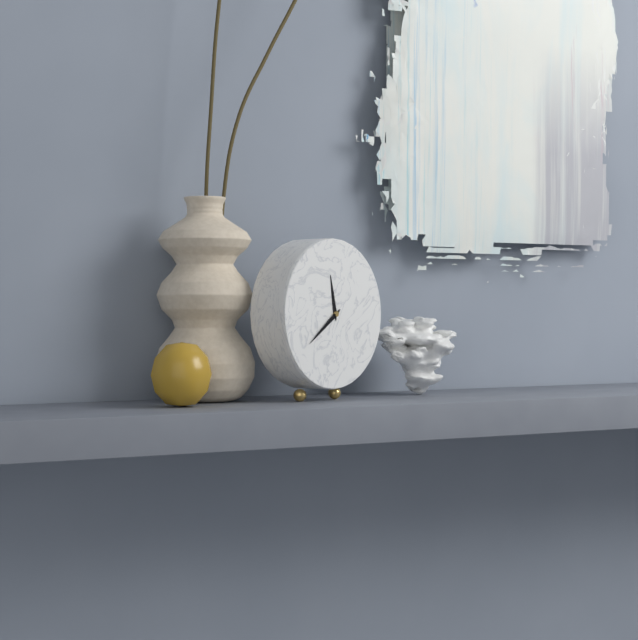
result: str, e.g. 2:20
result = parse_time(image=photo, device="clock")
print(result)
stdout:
11:39
